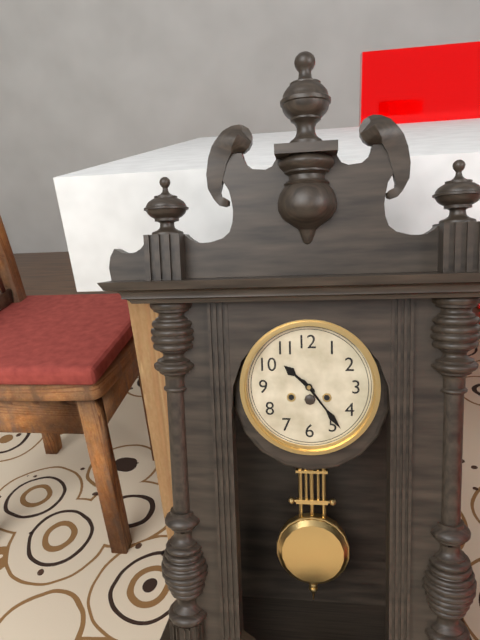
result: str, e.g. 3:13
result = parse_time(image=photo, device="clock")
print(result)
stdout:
10:24
